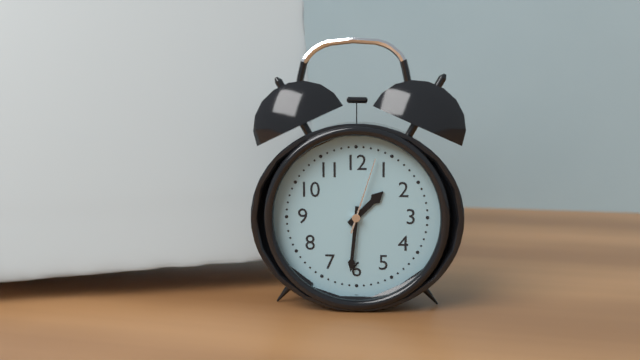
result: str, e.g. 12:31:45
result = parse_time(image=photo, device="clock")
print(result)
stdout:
1:31:03
